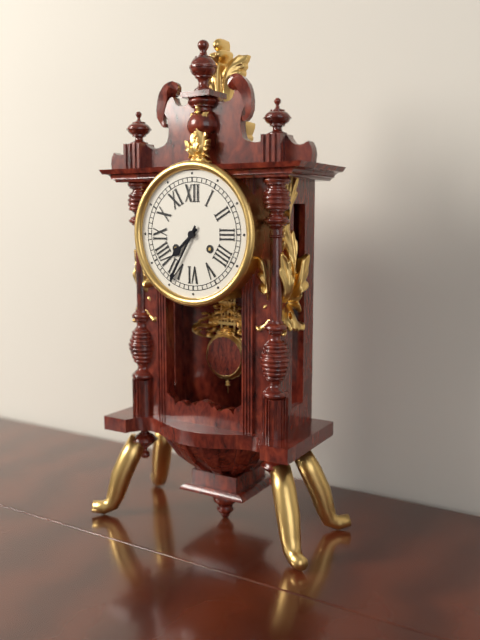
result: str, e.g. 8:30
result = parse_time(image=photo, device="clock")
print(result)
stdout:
7:35
